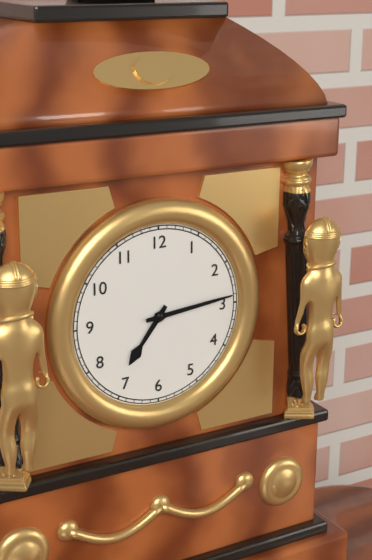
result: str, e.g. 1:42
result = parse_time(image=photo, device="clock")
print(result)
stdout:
7:14
